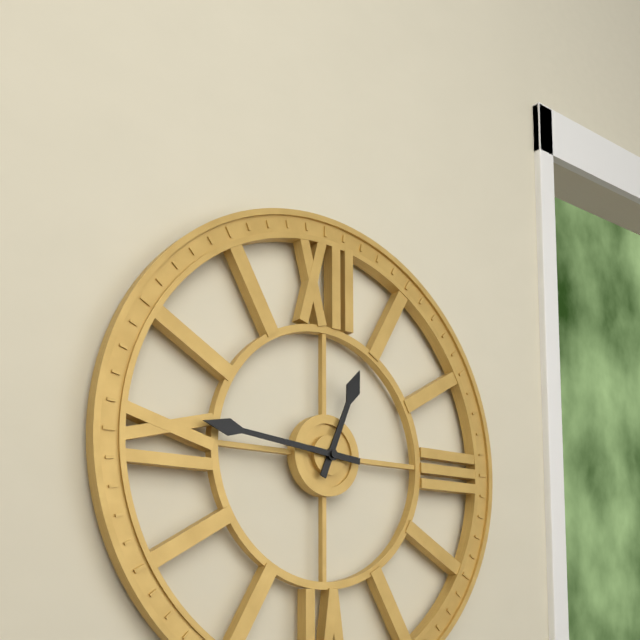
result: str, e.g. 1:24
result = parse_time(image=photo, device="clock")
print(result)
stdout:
12:46
